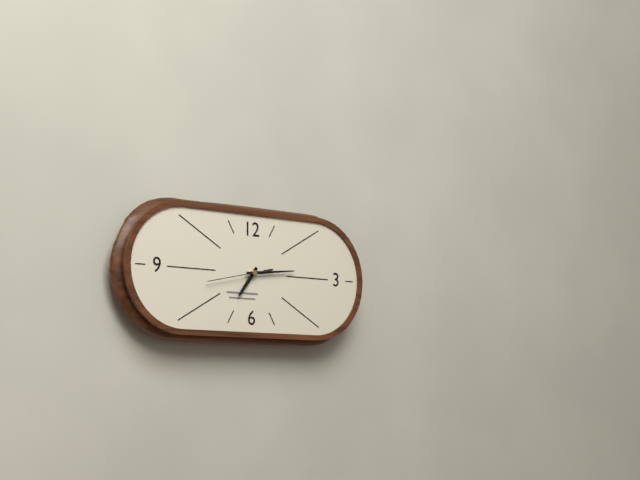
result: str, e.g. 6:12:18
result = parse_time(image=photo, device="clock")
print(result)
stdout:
7:14:43
